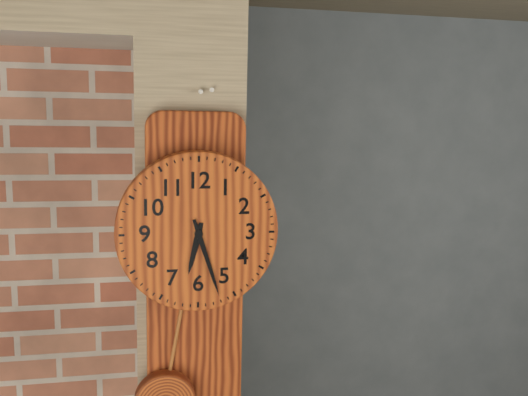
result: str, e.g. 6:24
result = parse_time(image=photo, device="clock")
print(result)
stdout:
6:27
